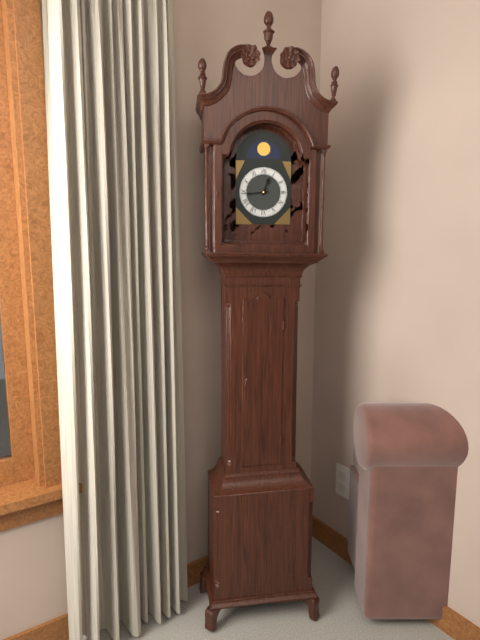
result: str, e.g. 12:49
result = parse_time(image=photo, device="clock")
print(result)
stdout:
12:44
